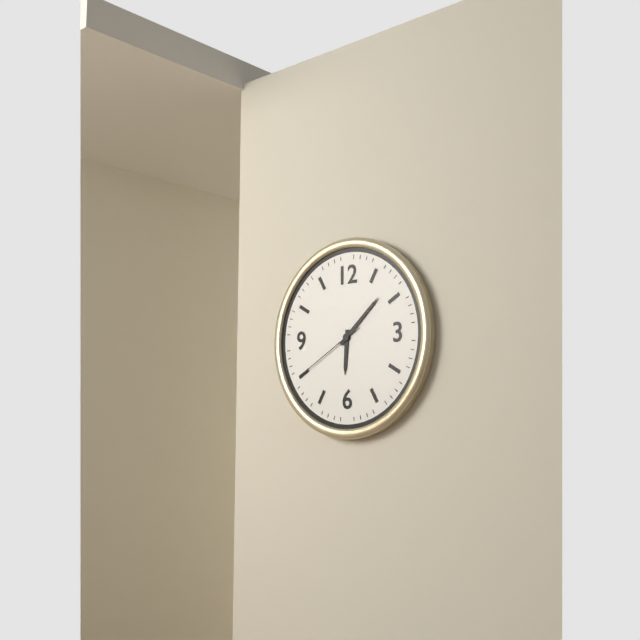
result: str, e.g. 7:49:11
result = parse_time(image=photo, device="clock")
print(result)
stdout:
6:08:40
